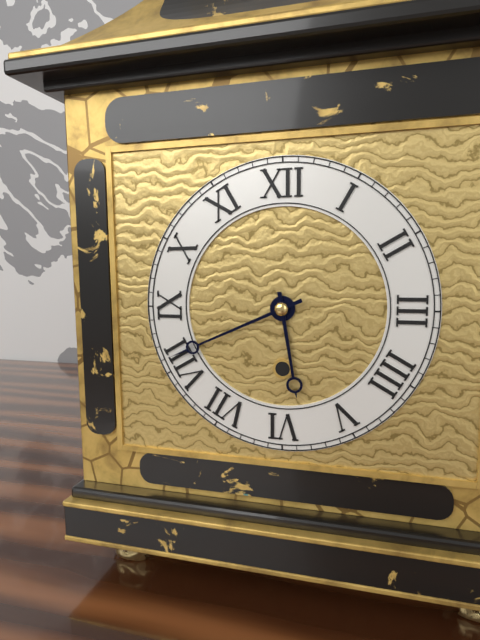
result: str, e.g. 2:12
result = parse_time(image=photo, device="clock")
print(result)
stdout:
5:41
